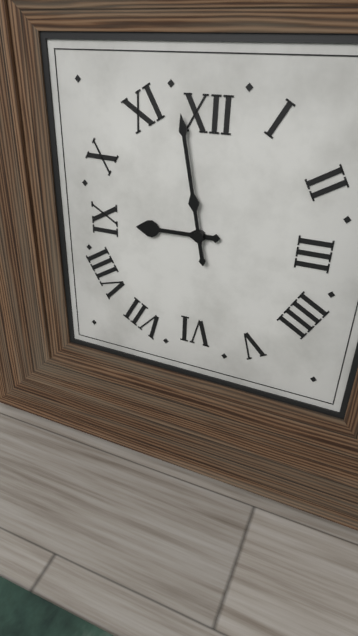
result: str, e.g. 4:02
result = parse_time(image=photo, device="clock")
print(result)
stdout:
8:58
